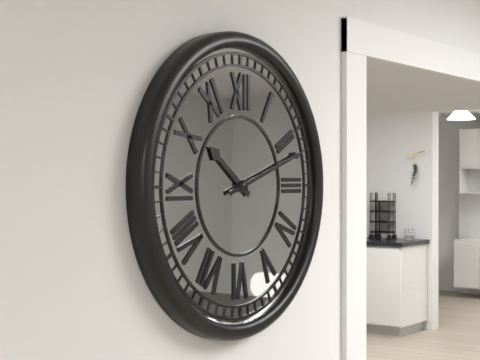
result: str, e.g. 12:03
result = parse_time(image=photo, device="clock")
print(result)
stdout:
10:12
